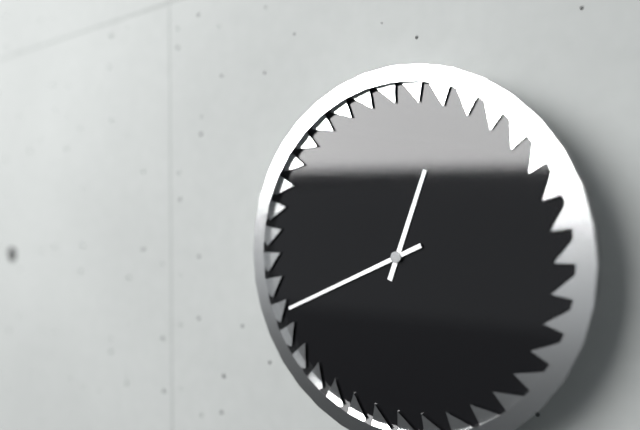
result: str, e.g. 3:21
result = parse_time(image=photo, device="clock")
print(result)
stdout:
12:41
